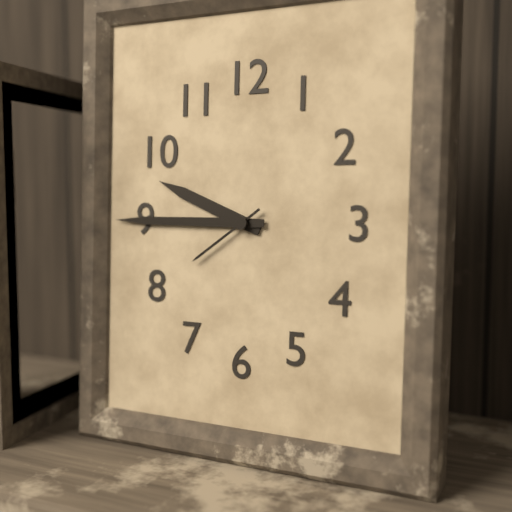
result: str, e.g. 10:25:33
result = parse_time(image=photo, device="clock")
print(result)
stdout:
9:45:39
